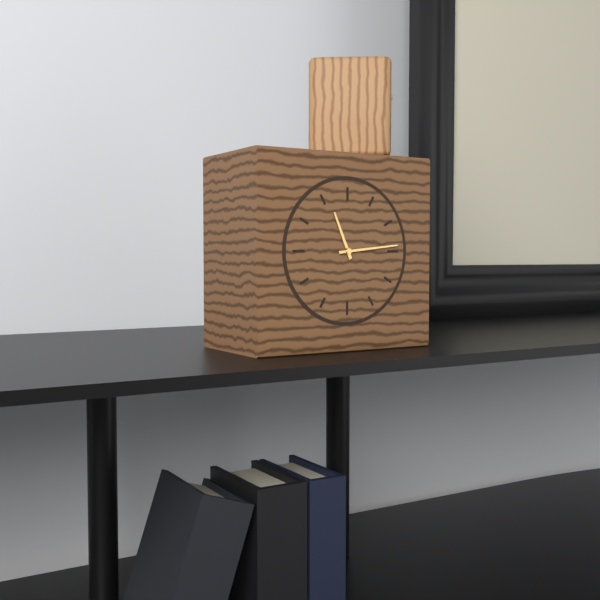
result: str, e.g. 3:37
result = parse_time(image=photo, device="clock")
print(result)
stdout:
11:14
